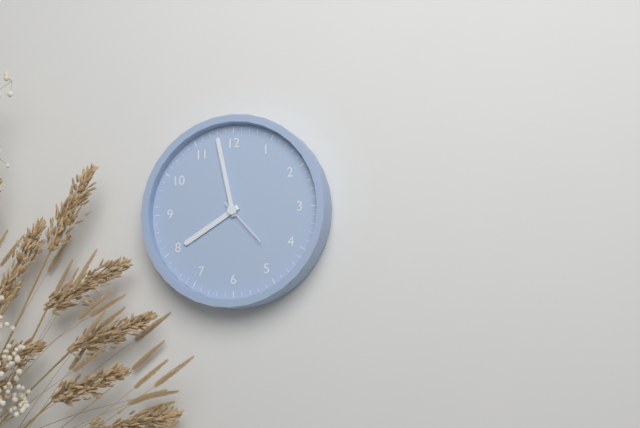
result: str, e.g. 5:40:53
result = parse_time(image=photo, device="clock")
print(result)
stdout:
7:58:23
